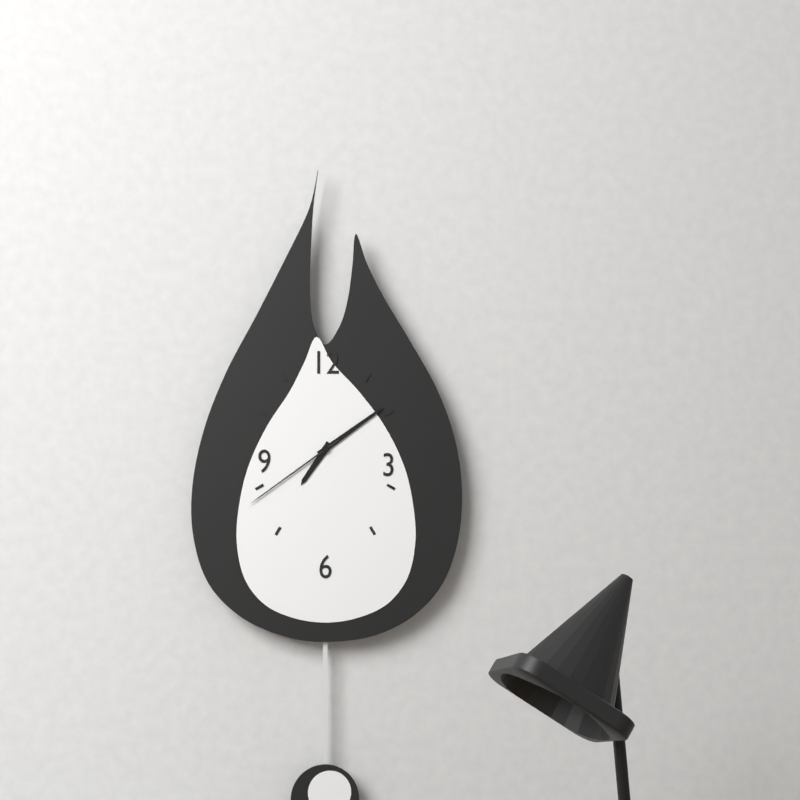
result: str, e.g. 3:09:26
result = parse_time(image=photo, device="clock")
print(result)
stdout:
7:09:39
